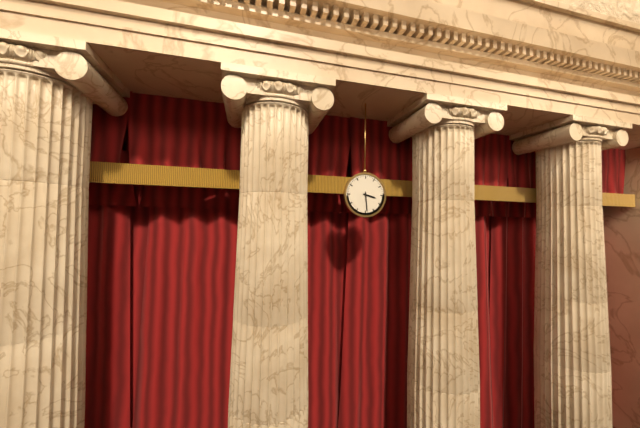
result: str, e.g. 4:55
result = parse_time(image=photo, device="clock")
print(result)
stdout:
3:29
